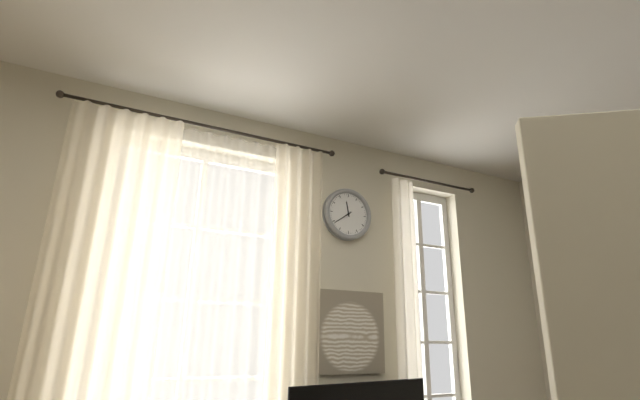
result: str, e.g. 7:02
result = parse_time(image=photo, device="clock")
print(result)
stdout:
11:39
